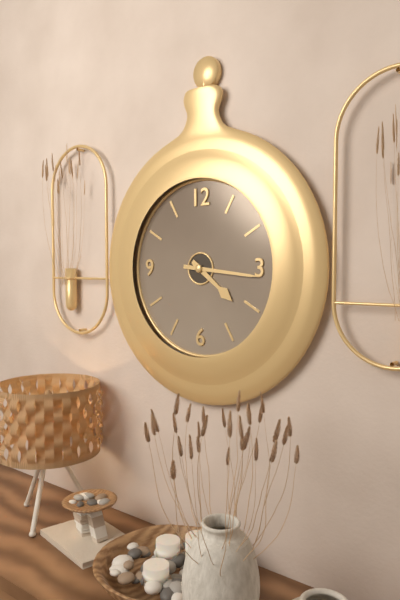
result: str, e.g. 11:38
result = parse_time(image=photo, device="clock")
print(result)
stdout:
4:16
